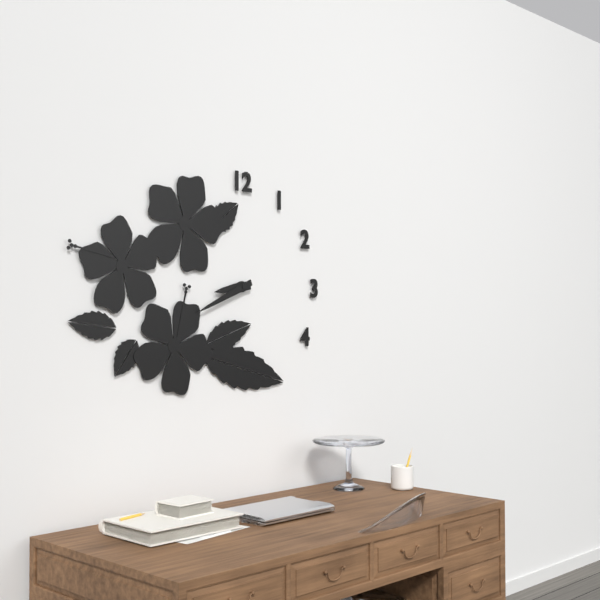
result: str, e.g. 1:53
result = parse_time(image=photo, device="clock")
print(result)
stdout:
8:41
